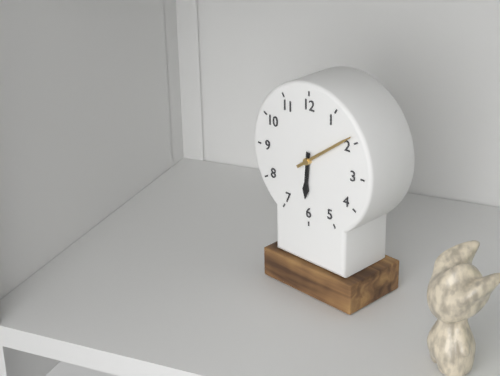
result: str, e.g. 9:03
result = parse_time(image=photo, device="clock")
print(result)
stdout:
6:09
